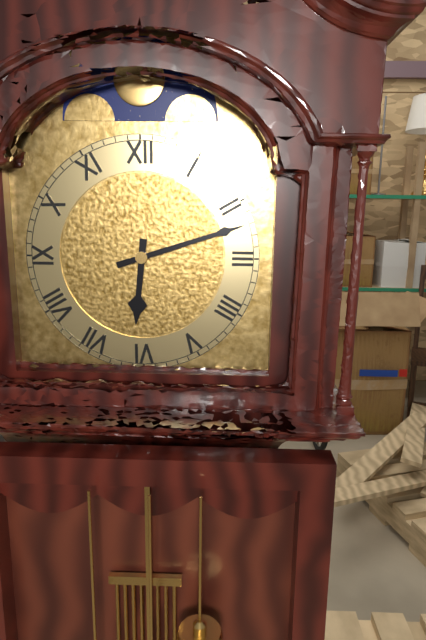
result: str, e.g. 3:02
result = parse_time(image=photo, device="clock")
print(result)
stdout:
6:12
